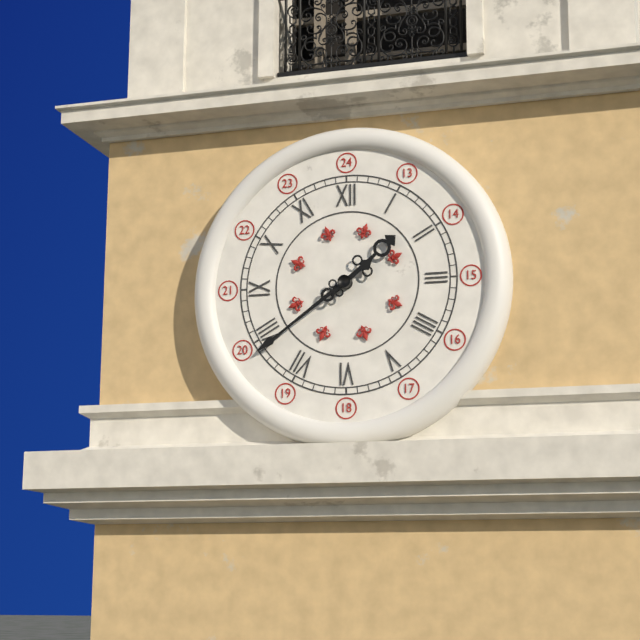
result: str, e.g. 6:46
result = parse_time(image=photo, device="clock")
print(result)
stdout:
1:39
